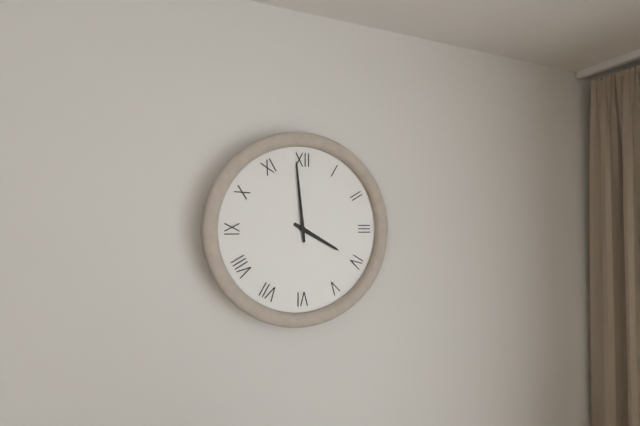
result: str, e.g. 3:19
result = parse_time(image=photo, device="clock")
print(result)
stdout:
3:59
